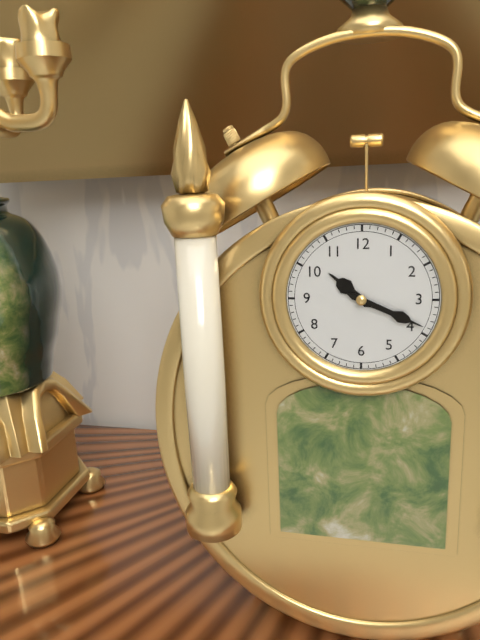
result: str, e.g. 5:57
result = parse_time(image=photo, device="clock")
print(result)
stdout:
10:19
